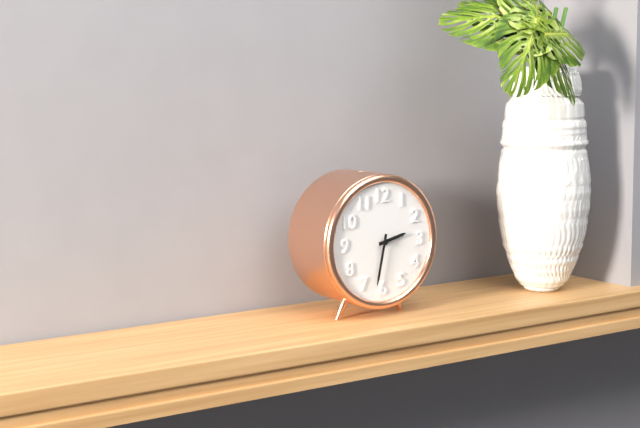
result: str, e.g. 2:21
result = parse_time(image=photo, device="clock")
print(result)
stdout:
2:32
